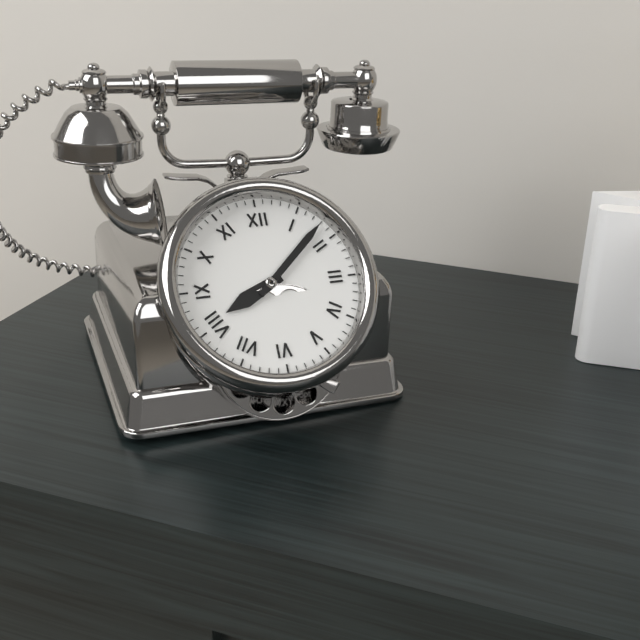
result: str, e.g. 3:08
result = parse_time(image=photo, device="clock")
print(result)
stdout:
8:08
